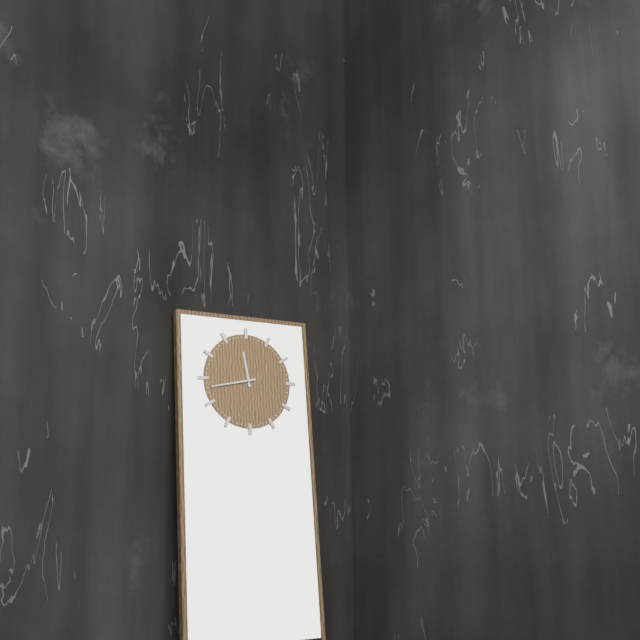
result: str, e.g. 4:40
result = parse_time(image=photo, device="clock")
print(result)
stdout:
11:43
